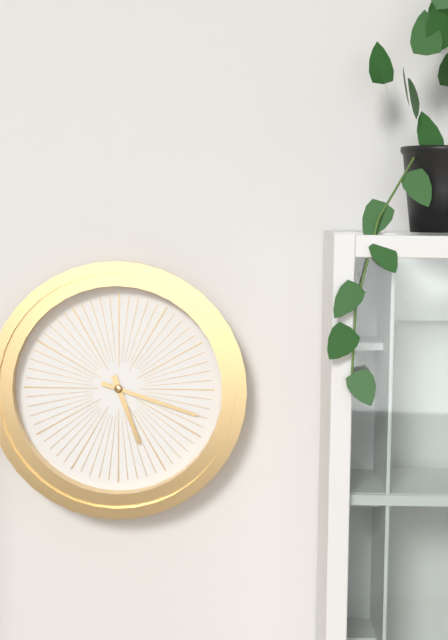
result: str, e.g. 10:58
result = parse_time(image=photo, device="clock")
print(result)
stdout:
5:18
